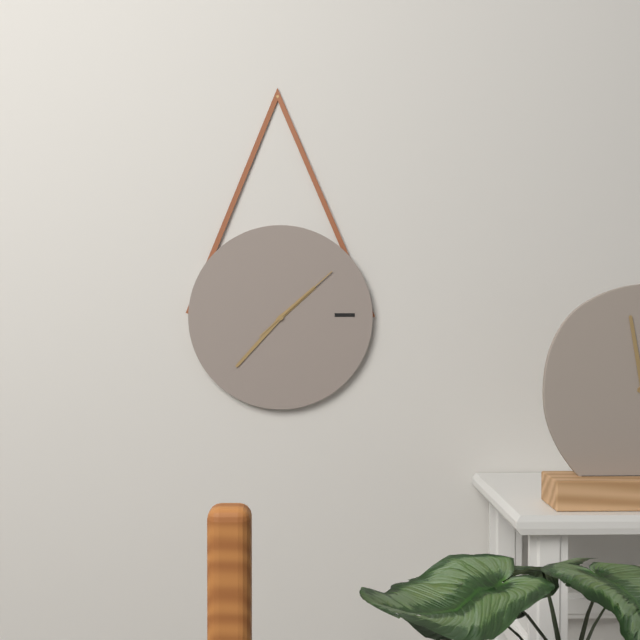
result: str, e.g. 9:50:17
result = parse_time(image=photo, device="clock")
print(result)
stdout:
1:37:08
